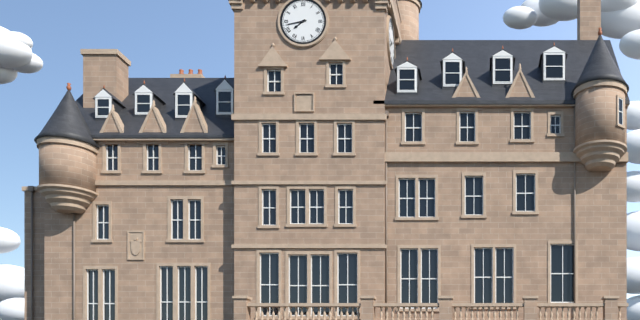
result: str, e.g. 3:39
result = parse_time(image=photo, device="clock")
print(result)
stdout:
7:43
